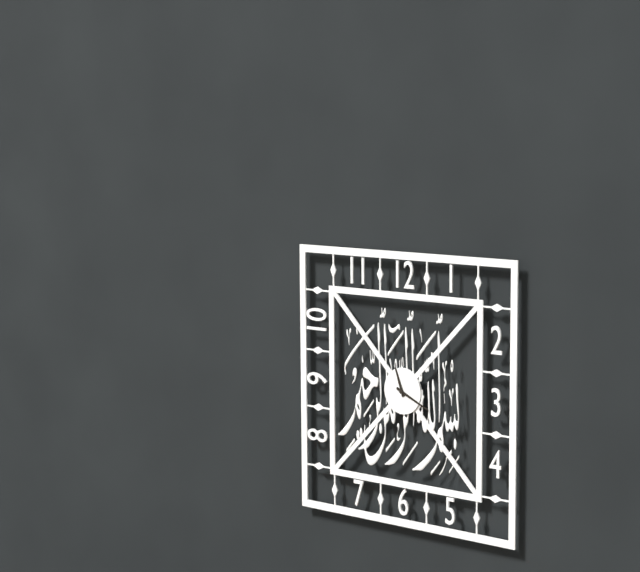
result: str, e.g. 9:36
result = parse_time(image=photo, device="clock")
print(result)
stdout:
11:19
